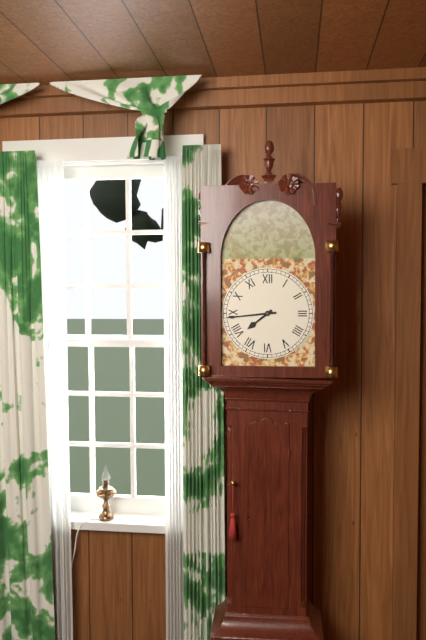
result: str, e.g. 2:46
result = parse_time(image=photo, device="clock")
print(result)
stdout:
7:44
